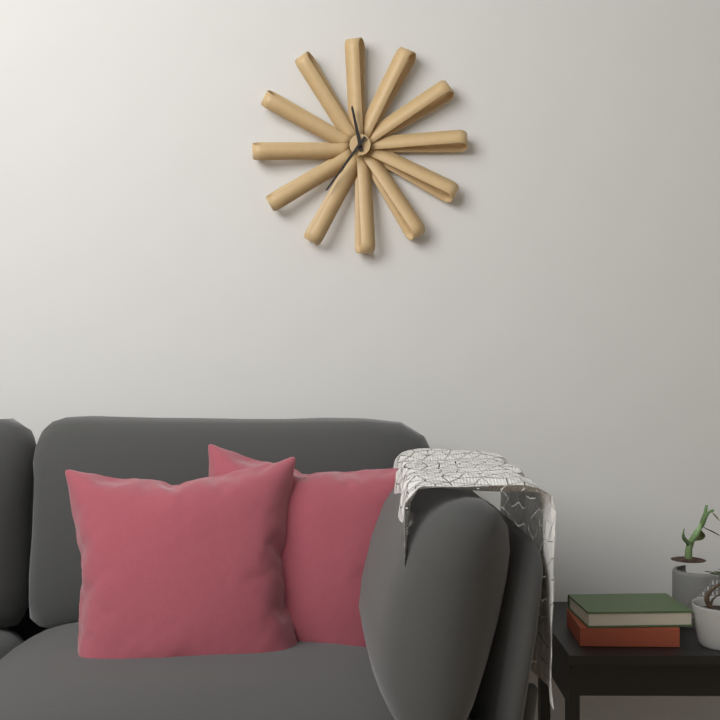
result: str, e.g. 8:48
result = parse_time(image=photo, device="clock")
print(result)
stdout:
11:36
